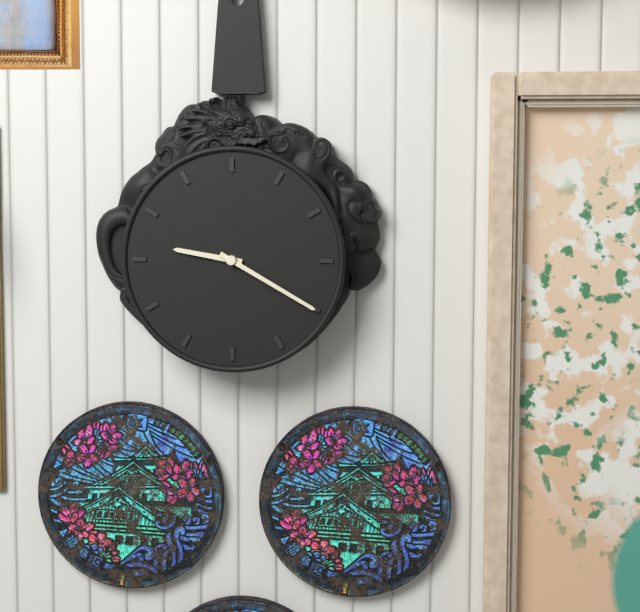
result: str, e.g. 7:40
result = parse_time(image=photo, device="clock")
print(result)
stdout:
9:20
